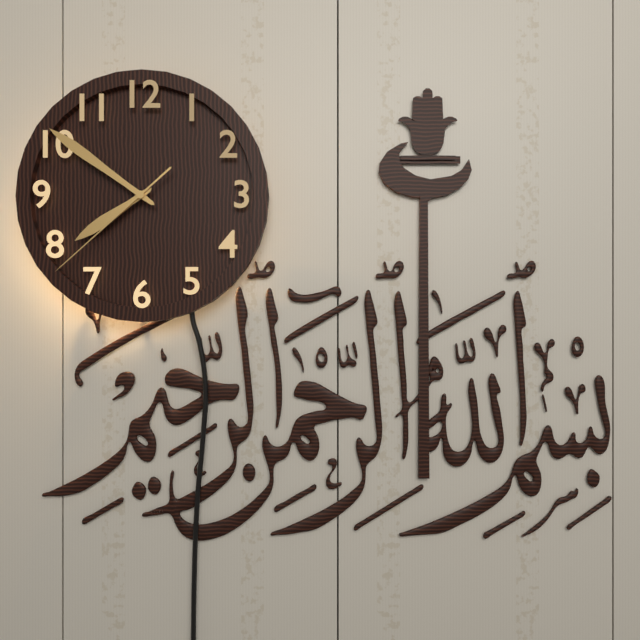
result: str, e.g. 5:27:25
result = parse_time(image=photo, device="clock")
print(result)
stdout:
7:51:38
